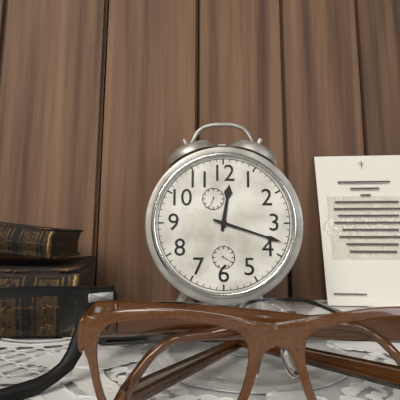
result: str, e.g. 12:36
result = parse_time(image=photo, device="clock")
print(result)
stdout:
12:18
